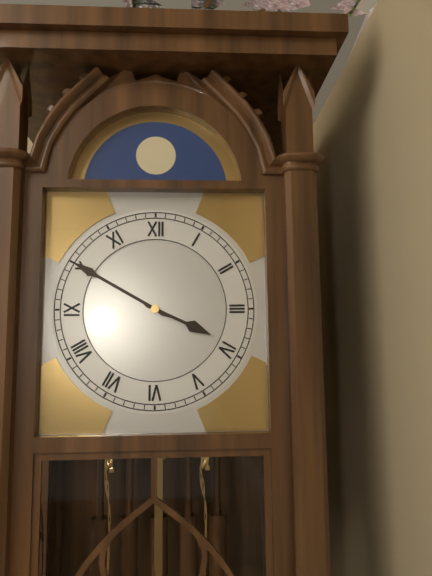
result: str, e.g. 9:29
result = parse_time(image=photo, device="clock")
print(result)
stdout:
3:50
